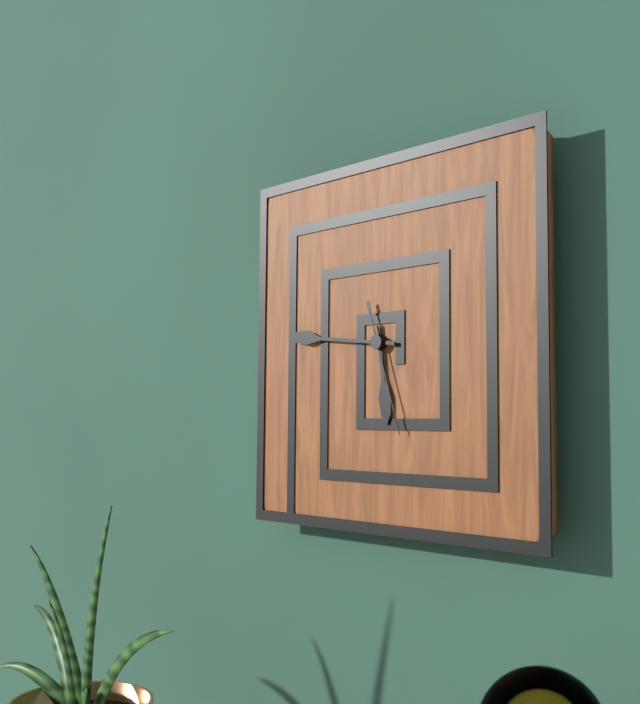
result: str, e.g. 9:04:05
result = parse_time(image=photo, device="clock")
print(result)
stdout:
5:46:27
